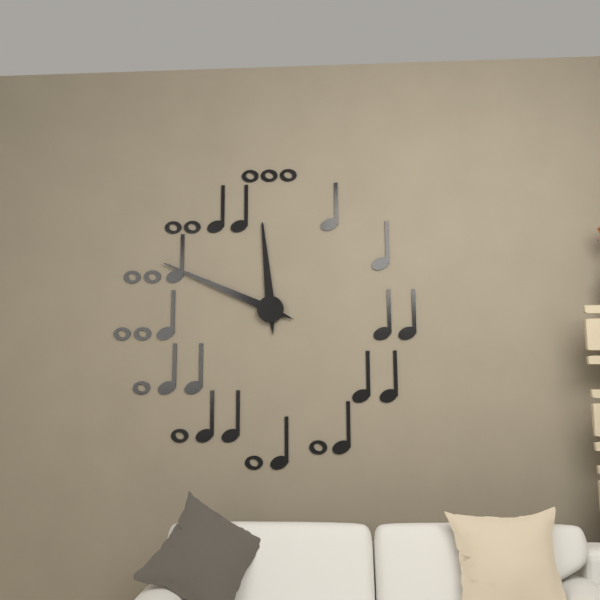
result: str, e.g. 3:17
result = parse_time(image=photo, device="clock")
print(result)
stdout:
11:49
